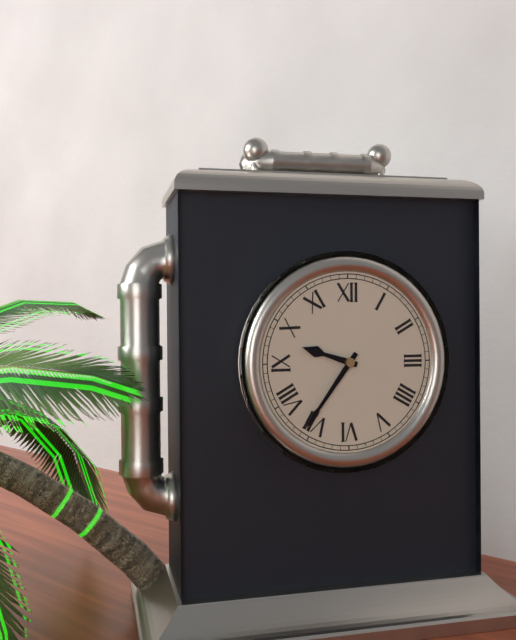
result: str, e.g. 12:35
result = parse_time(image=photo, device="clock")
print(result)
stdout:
9:36
